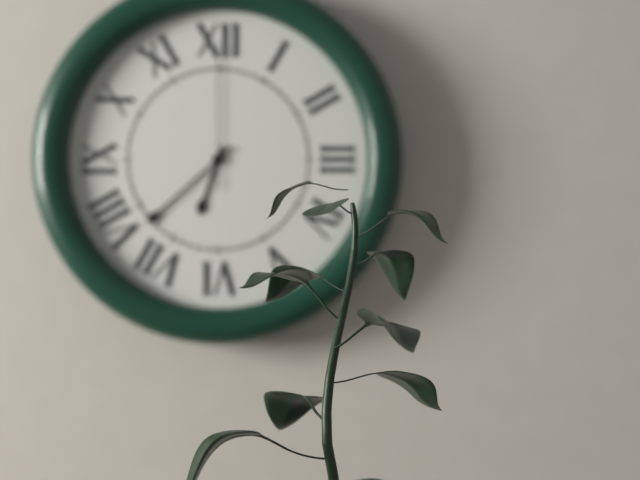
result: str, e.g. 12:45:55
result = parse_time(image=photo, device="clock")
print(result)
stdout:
6:38:00
